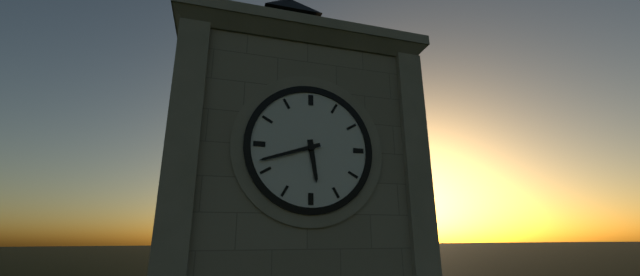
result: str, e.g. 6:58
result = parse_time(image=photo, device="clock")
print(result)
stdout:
5:42
